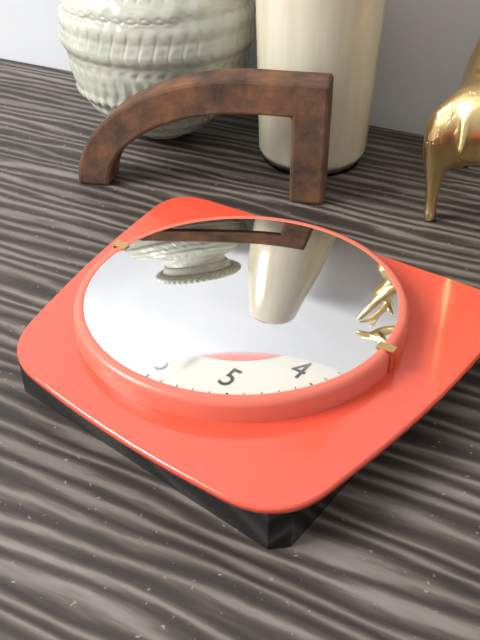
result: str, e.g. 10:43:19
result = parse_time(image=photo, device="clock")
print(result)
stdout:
10:29:52
